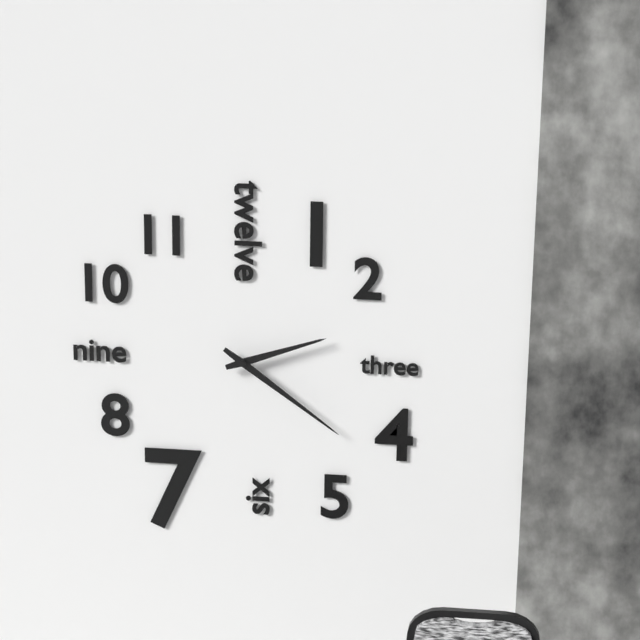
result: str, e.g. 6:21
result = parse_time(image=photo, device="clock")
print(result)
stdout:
2:21
